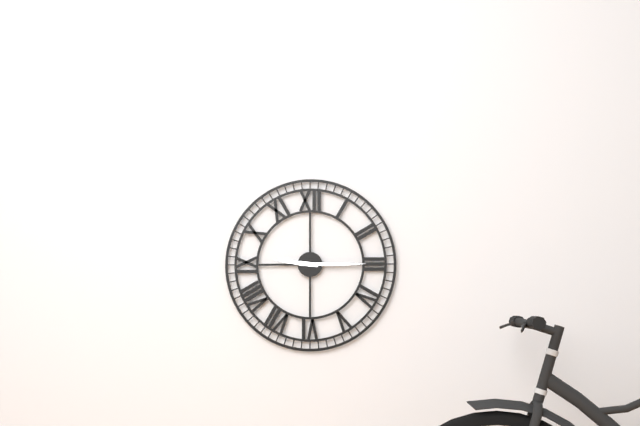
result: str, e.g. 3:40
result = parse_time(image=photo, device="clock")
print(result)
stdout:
9:15
